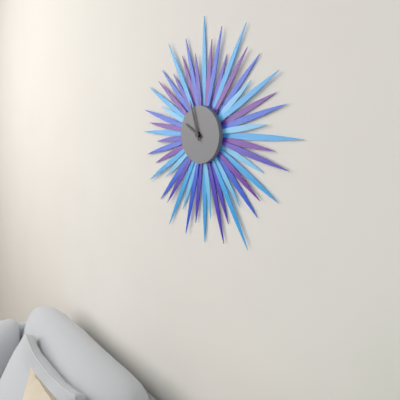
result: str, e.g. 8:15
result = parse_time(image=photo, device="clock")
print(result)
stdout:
9:57
